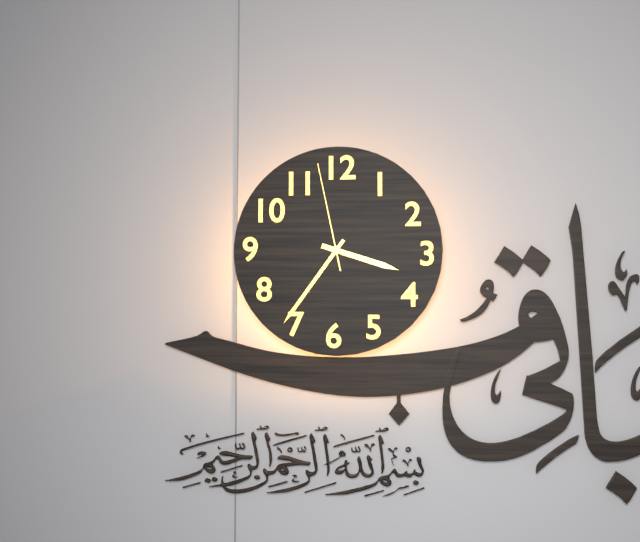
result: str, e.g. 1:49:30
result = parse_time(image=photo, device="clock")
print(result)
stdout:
3:36:58
